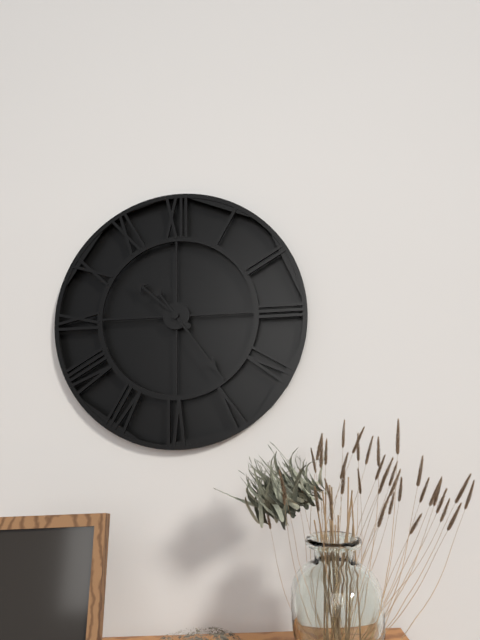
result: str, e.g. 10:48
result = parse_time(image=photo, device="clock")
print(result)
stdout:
10:24
